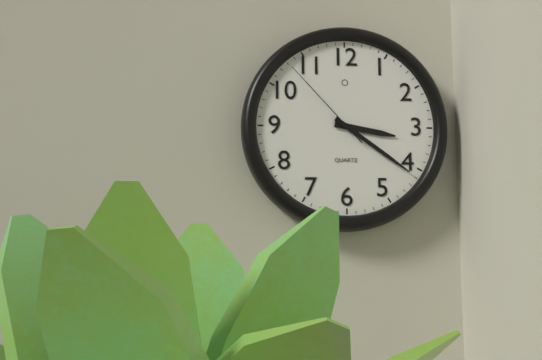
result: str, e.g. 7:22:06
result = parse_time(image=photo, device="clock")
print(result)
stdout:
3:21:53
